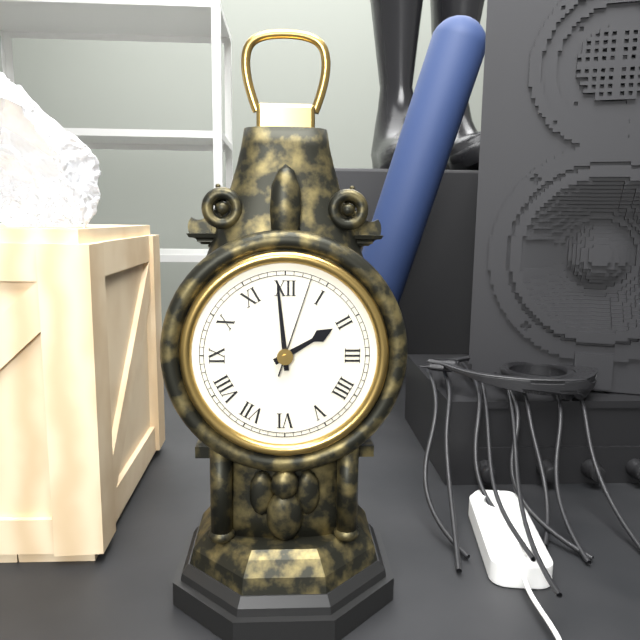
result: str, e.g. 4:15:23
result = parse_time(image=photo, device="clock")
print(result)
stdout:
1:59:03
